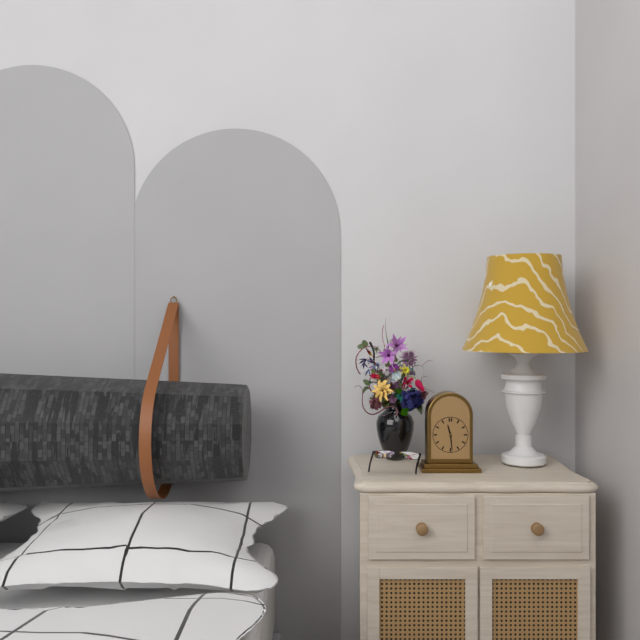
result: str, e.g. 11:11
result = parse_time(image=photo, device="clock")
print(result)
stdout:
11:29
